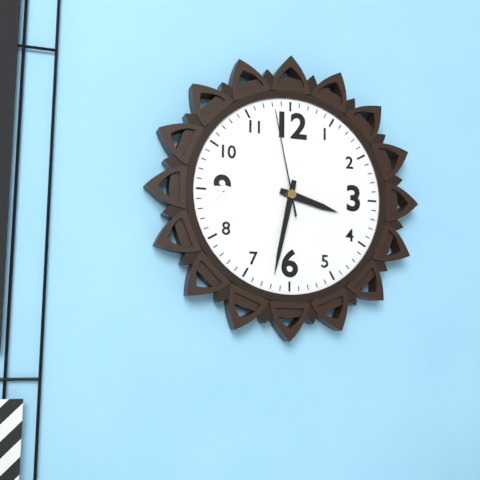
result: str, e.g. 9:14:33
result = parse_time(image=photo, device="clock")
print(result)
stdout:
3:32:58
